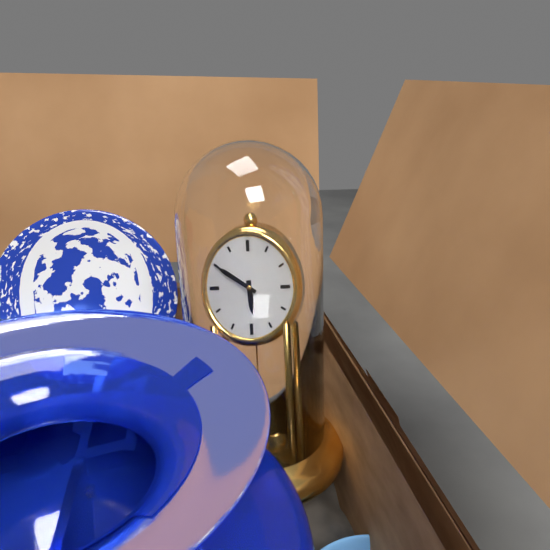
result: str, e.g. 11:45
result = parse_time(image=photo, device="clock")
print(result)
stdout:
5:50
